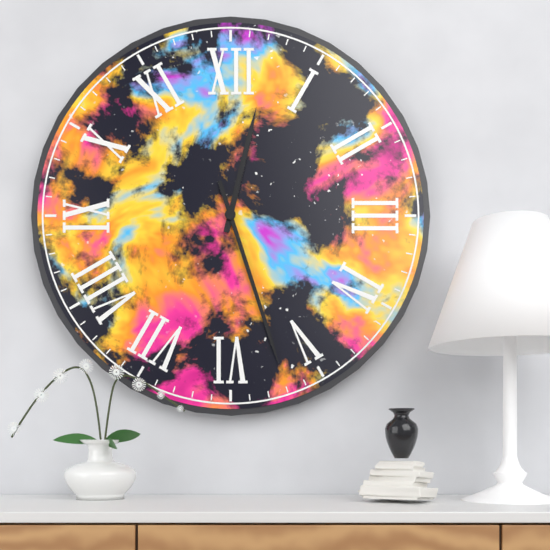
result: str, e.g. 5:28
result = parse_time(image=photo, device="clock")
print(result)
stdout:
12:27
